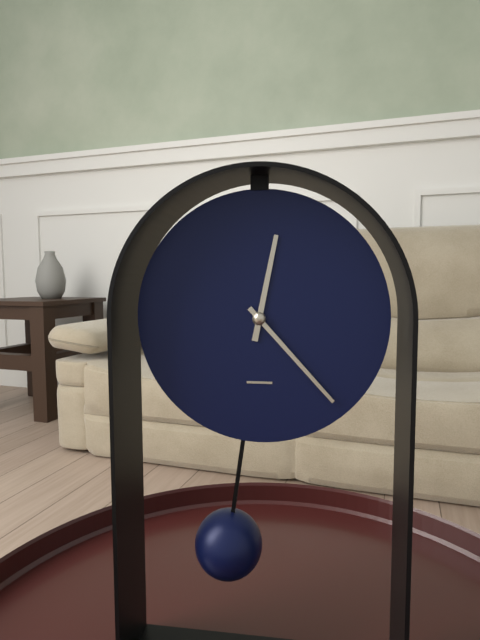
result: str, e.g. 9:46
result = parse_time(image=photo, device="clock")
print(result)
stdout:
12:23
